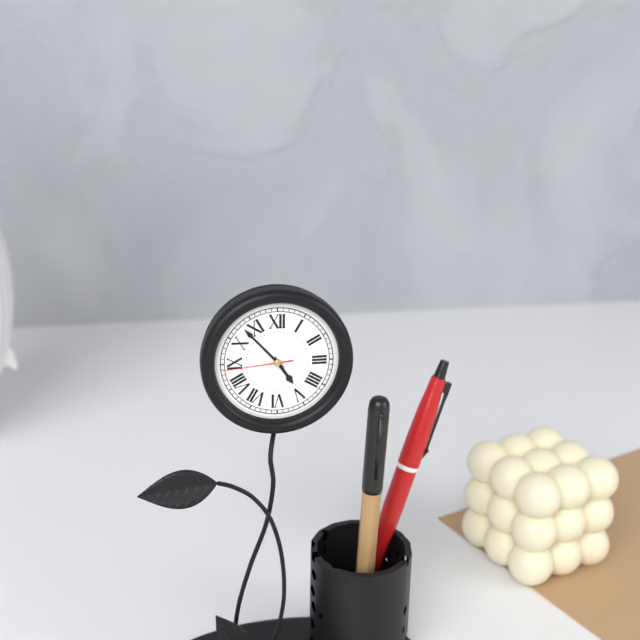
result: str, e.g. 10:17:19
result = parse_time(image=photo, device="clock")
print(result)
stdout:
4:53:44
